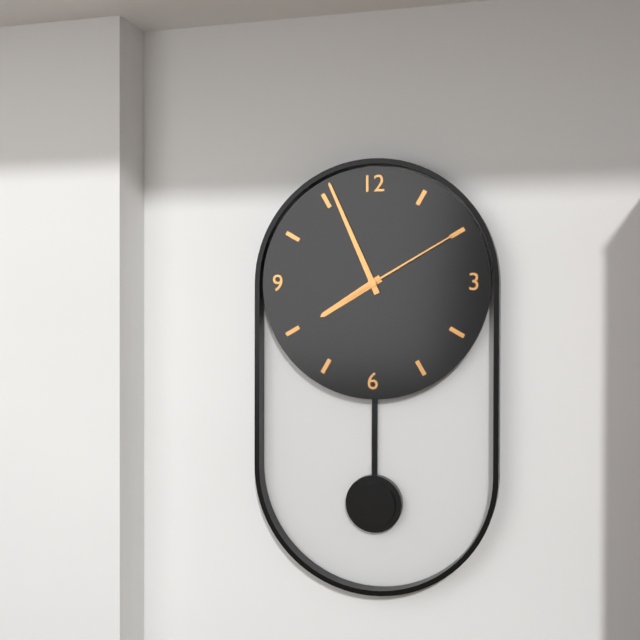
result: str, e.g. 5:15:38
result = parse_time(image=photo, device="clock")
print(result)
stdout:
7:56:10
